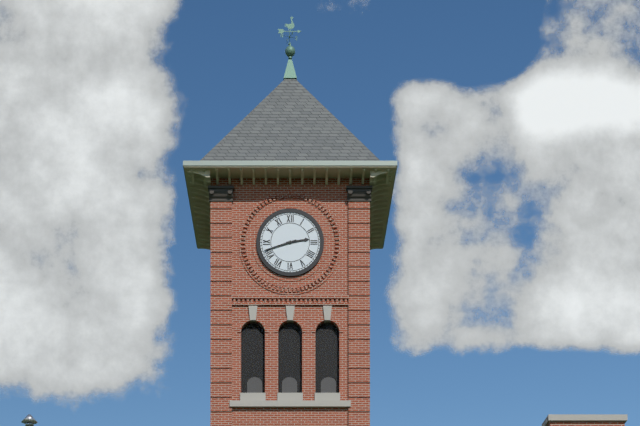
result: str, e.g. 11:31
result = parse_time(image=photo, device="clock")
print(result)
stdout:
2:42
